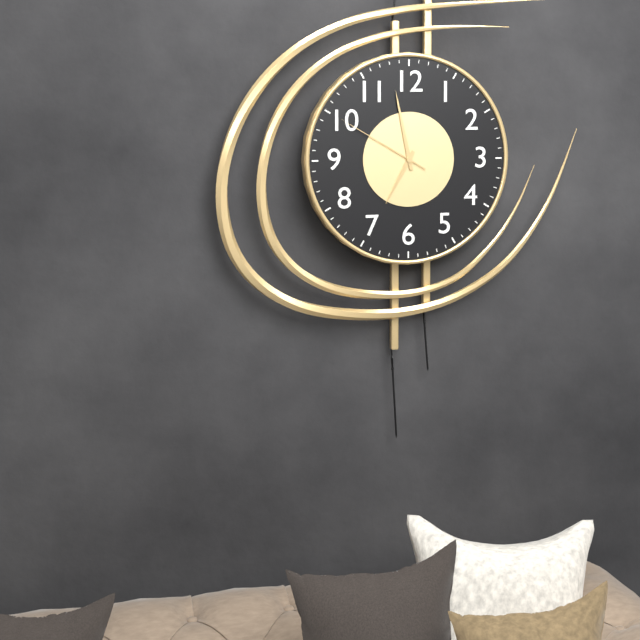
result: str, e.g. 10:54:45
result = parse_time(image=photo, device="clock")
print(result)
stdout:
6:58:50
